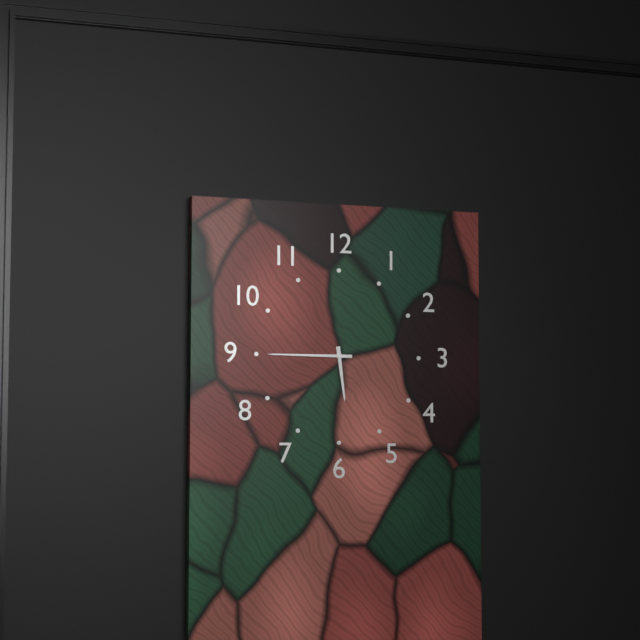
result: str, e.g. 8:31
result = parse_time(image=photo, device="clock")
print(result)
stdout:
5:45
